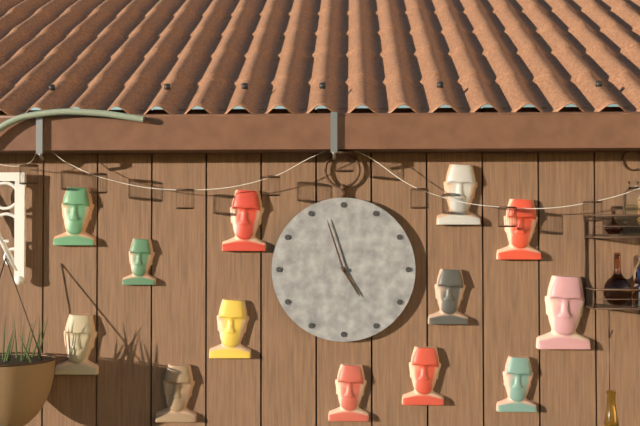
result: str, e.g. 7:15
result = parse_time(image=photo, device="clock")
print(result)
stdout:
4:57
